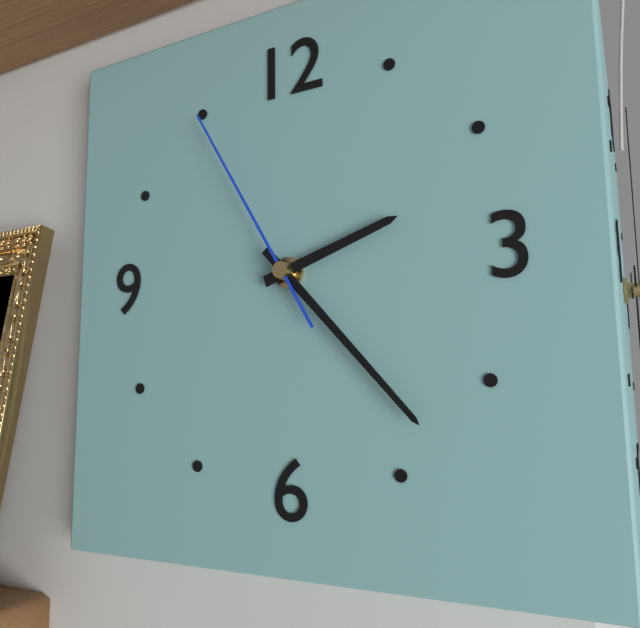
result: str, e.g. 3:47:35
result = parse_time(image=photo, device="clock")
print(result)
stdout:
2:23:55
